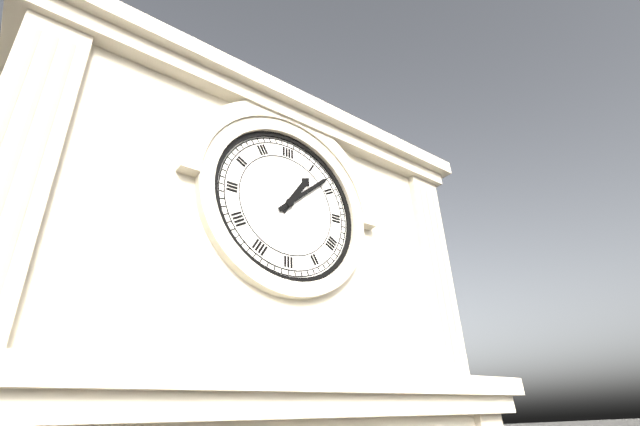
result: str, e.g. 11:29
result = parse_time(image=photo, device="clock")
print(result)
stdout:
1:08
